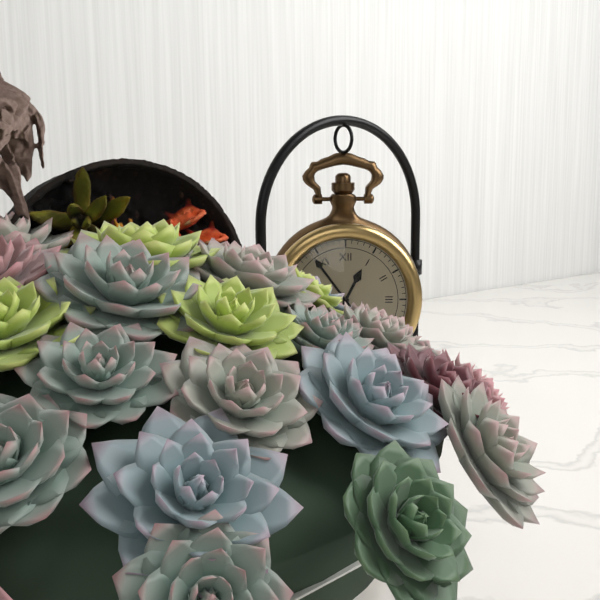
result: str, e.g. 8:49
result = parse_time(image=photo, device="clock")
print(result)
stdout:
12:54
